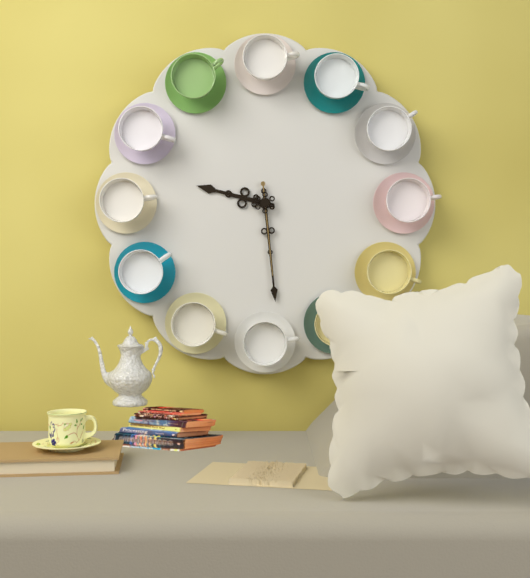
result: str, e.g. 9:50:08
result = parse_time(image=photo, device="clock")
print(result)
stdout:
9:29:29
